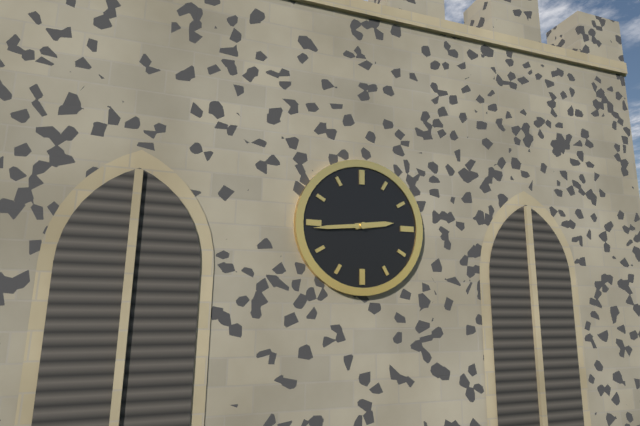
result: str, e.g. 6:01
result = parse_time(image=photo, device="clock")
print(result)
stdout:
2:44
